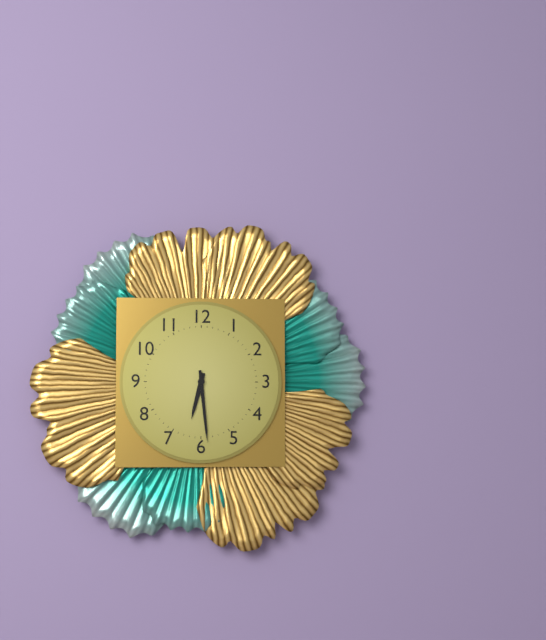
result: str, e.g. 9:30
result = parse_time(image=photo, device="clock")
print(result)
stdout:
6:29
